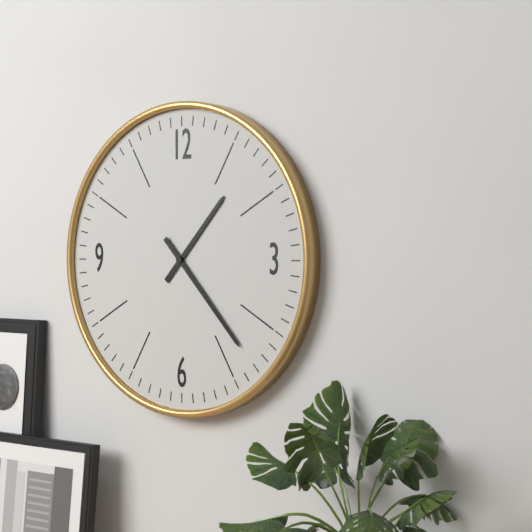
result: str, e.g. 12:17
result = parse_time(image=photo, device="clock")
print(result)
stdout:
1:23
